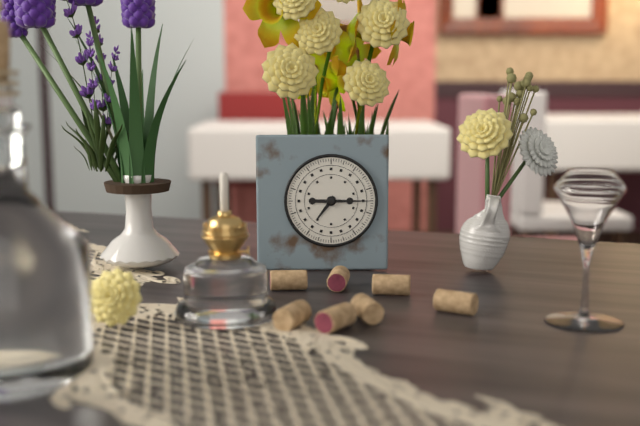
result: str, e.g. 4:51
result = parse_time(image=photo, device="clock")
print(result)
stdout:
7:15
